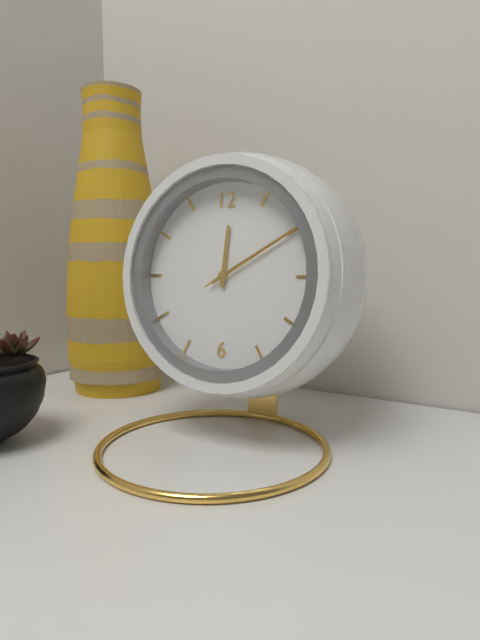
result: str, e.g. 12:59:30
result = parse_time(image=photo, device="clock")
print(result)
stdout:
12:10:10
